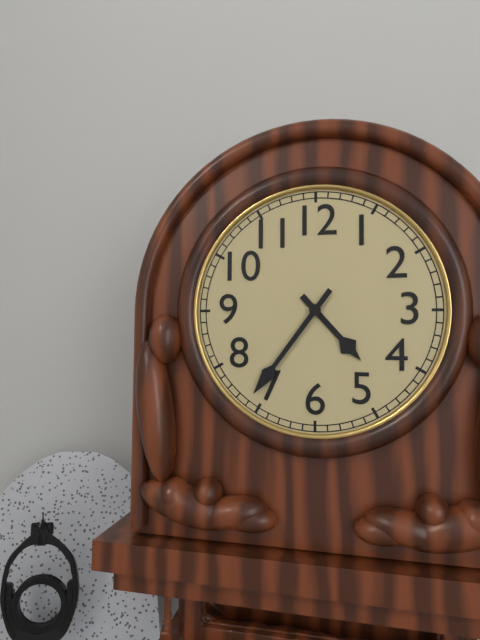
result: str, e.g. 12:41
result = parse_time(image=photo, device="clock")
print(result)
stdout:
4:36
